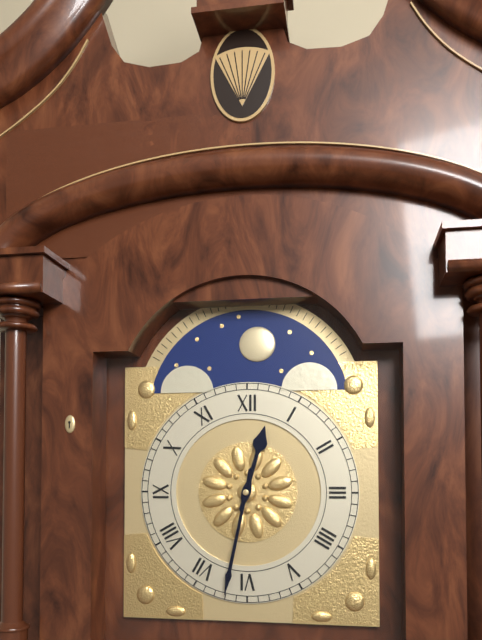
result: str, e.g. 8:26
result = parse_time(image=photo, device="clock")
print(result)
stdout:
12:32
